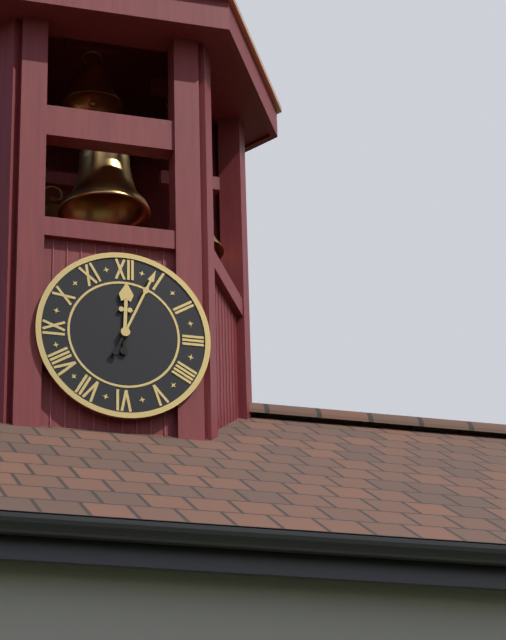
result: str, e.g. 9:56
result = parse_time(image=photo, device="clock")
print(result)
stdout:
12:04
